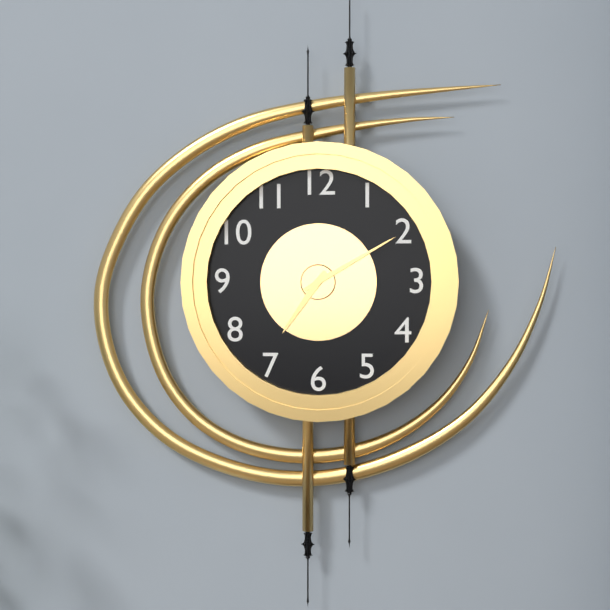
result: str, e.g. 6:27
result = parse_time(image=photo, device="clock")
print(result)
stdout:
7:10
